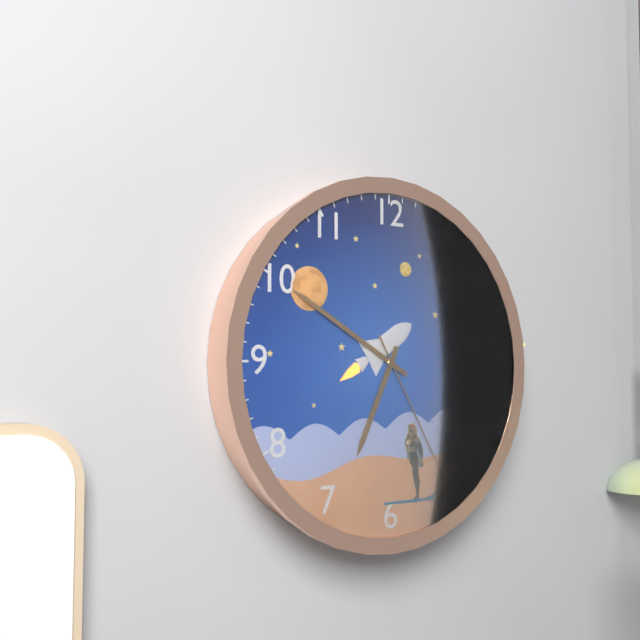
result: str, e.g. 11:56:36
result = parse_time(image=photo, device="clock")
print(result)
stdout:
6:50:25
